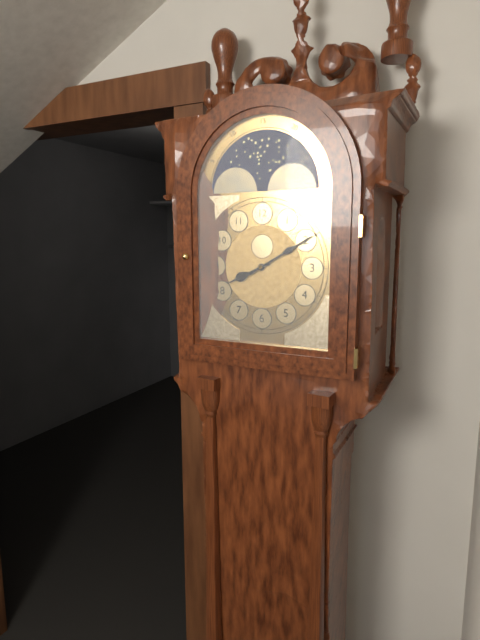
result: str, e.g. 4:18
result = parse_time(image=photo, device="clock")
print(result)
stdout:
8:10
